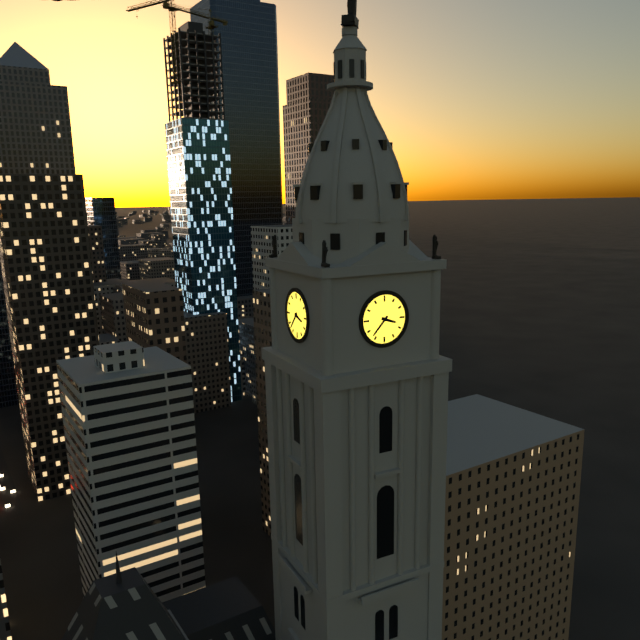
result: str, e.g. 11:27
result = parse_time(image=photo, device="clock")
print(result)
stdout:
3:37
